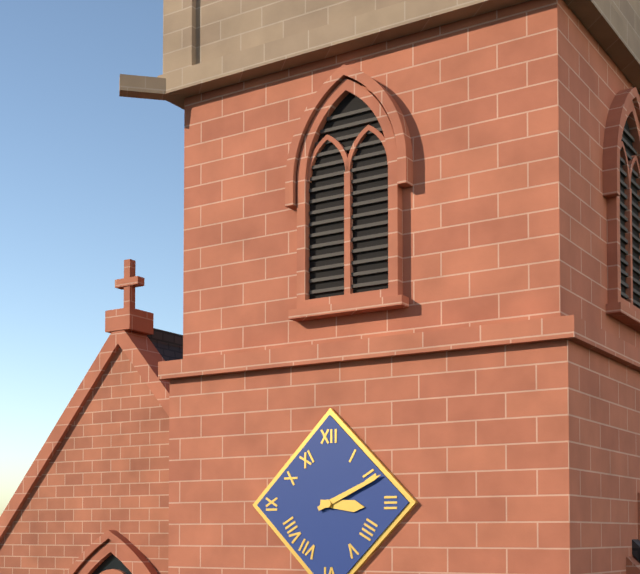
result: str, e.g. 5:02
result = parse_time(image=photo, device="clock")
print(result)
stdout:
3:11
